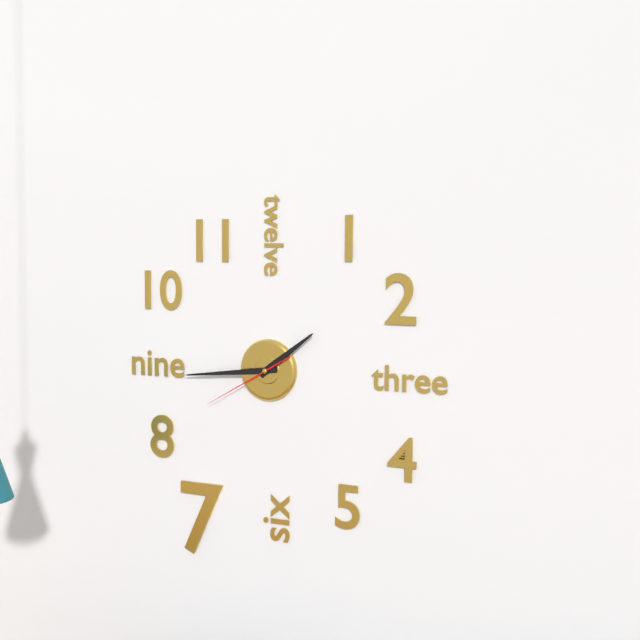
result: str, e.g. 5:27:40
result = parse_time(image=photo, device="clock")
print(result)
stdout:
1:44:40
